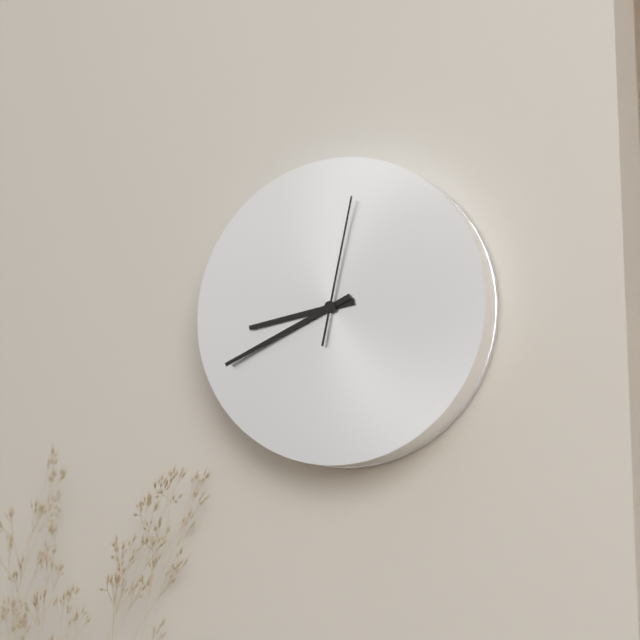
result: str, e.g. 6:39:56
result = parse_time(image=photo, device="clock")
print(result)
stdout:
8:41:02
